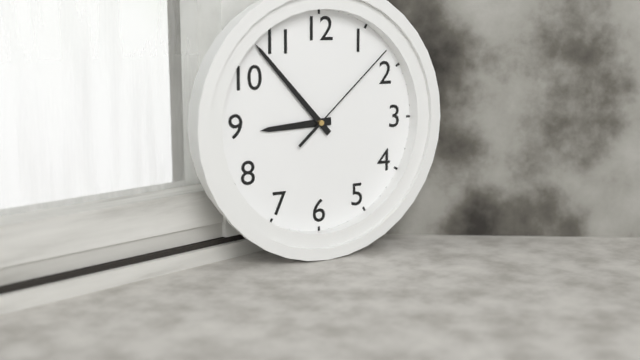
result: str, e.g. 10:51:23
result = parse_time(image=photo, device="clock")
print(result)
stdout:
8:53:08
